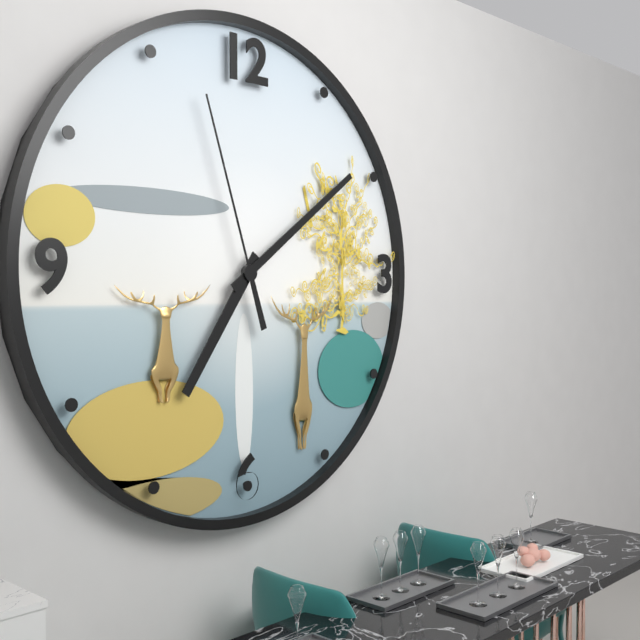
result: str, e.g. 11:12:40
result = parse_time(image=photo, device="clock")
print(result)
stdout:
7:09:57
